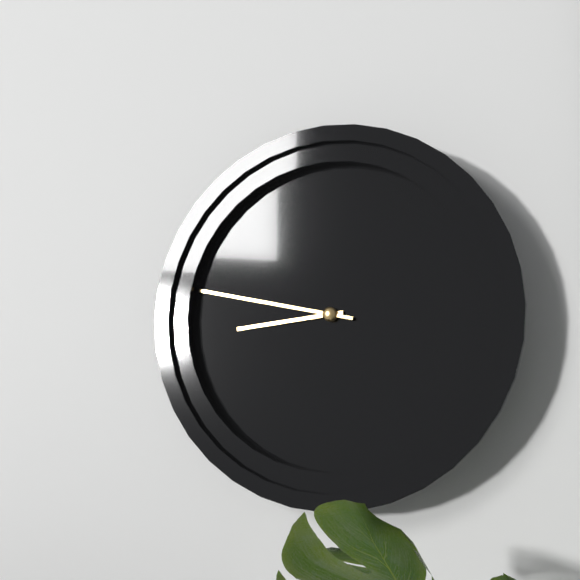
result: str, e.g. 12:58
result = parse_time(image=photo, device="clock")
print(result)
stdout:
8:47
